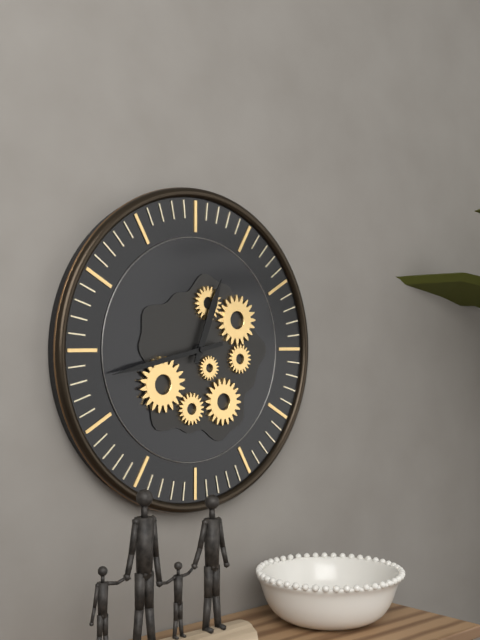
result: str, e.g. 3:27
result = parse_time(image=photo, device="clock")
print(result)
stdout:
12:43
